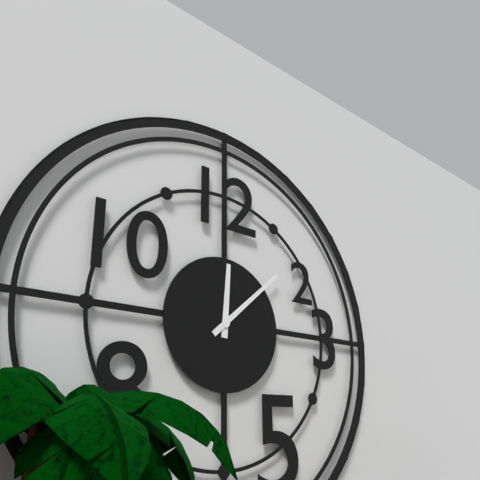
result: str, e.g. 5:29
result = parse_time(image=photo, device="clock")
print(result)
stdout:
12:08
